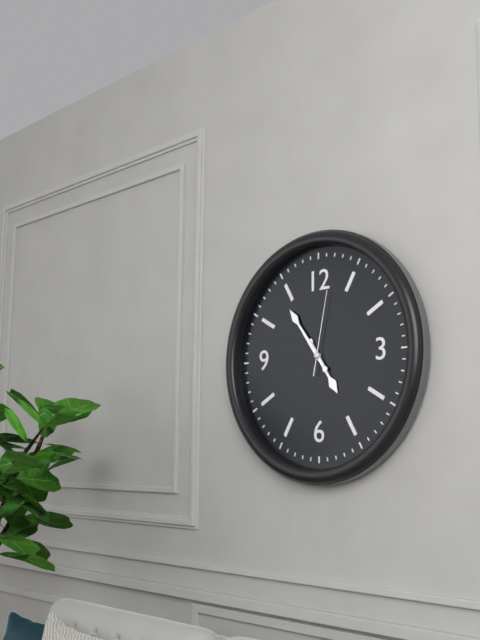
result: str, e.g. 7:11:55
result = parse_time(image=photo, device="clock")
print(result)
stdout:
4:54:02
